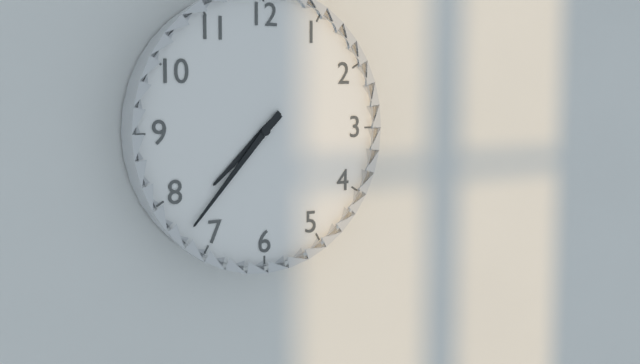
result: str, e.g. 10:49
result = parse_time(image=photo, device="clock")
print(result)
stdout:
7:37
